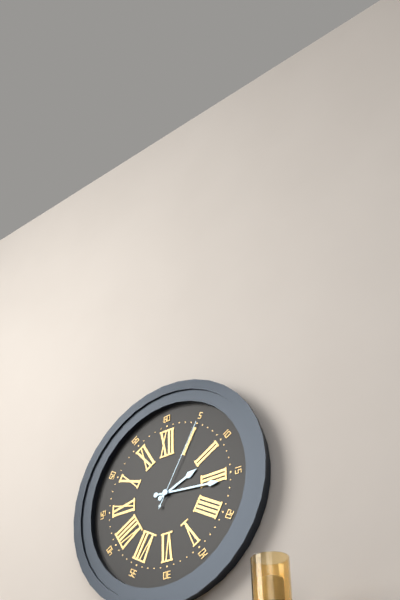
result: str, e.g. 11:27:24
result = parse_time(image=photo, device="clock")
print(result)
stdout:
2:16:05
